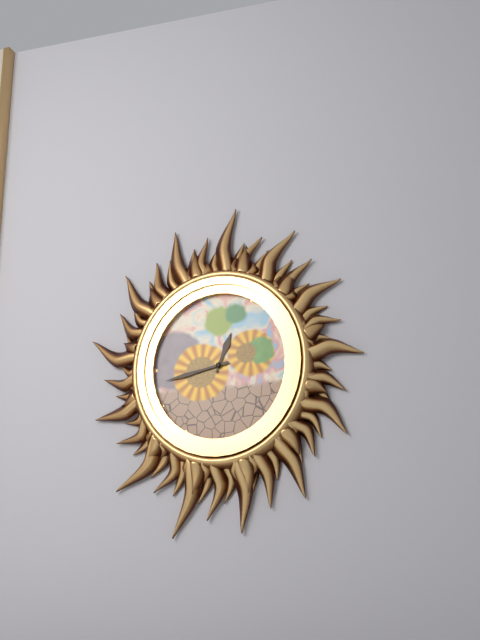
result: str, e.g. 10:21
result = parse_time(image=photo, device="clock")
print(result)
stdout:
12:43
